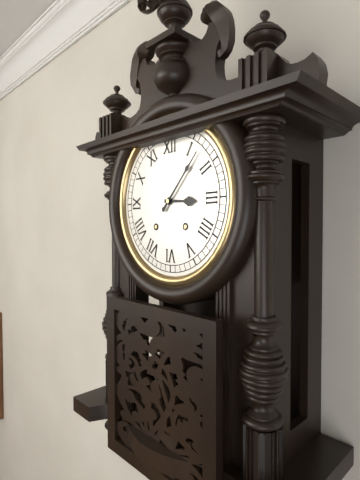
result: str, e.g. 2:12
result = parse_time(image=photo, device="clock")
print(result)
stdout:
3:07
